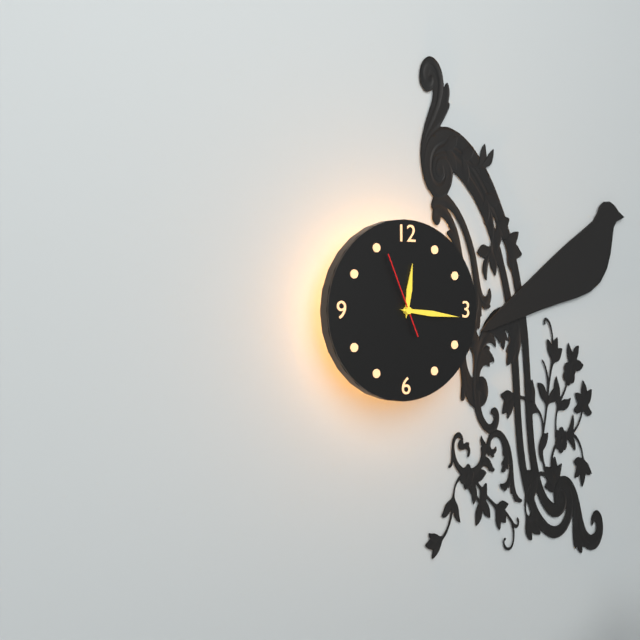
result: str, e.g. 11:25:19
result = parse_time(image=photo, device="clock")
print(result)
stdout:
12:16:56
